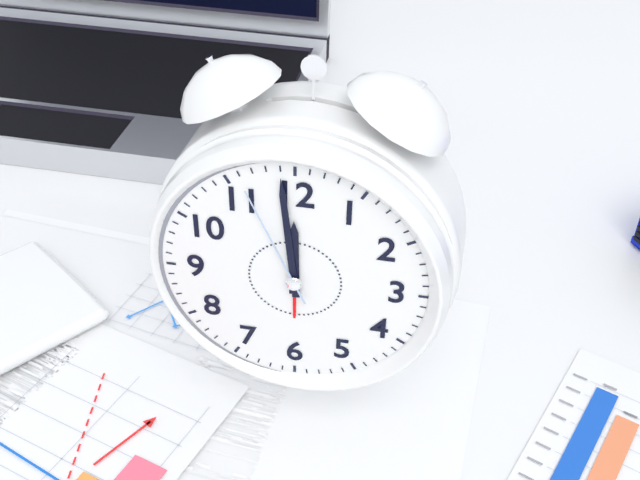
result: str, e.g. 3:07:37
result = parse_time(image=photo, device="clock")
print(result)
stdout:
11:59:56
